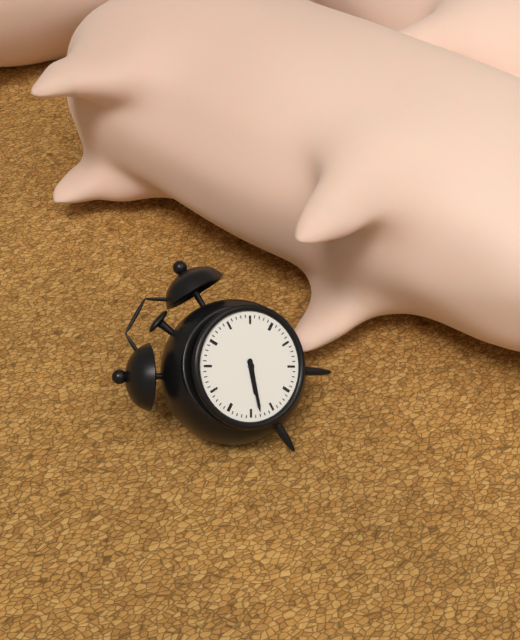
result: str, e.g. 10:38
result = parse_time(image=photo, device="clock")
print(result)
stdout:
7:38
